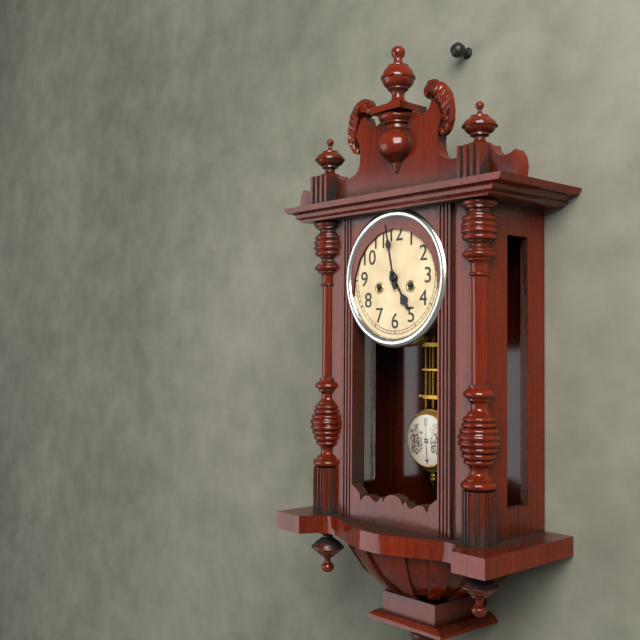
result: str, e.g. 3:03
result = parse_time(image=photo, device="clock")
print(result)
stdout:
4:58
